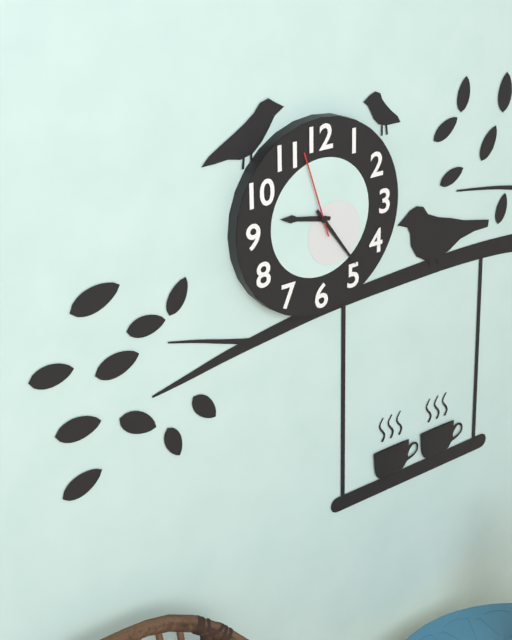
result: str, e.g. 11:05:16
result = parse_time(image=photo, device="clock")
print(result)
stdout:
9:24:57
